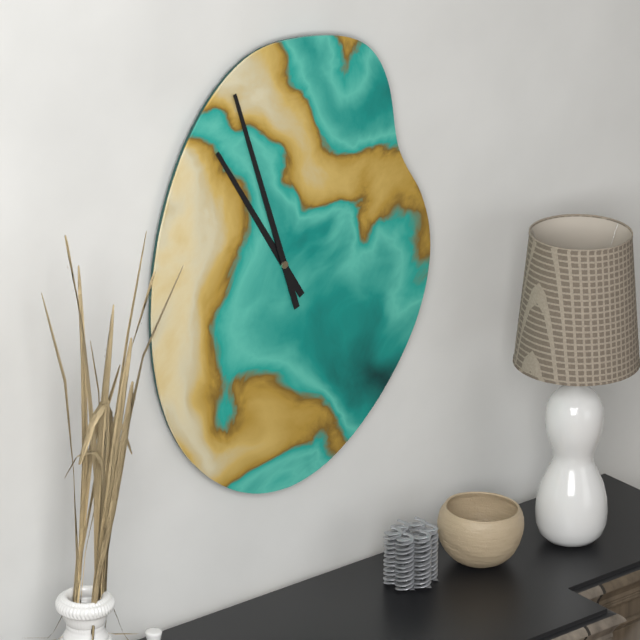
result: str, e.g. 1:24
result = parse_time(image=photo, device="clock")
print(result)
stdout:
10:57
